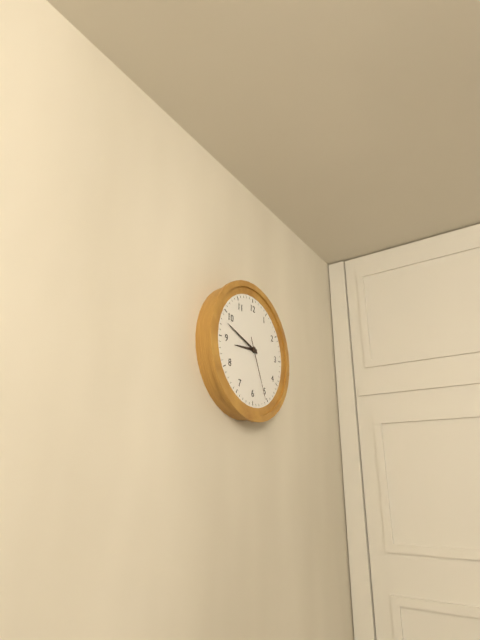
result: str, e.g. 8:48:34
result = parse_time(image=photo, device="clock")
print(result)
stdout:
8:48:26
